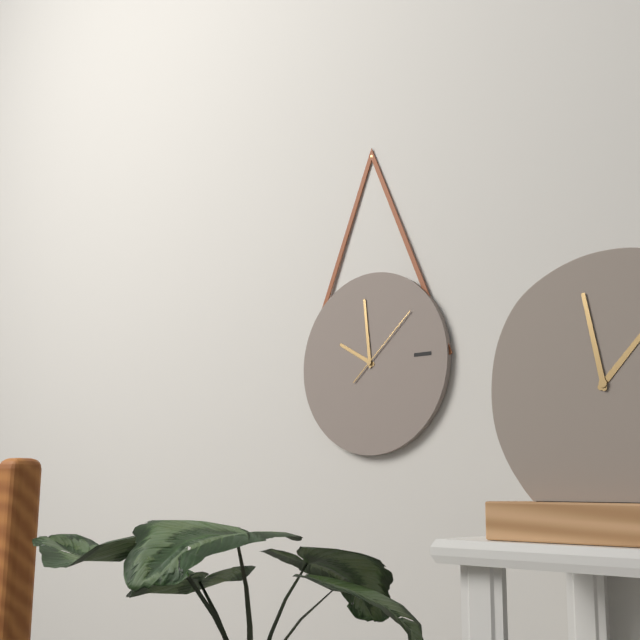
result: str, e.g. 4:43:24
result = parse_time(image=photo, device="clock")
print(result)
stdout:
9:59:08
